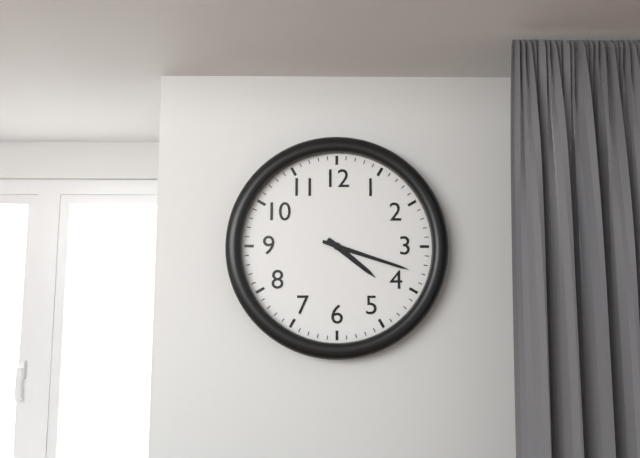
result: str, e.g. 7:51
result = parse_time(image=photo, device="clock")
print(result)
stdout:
4:18
